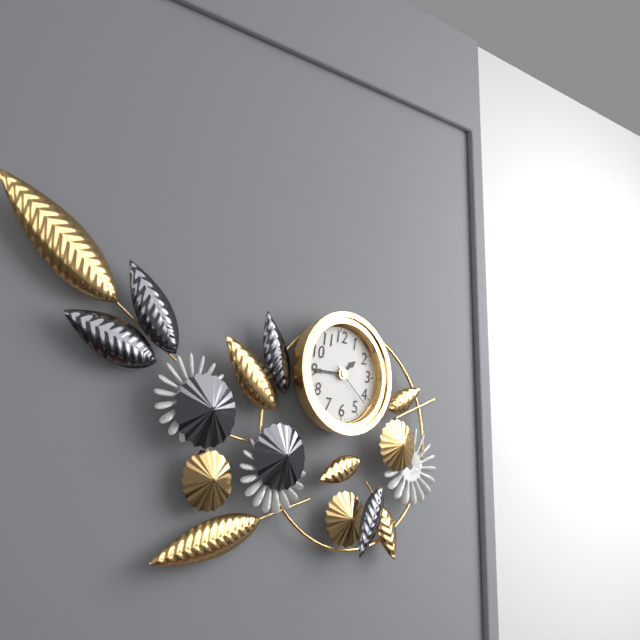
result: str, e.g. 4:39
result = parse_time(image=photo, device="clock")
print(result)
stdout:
1:45
